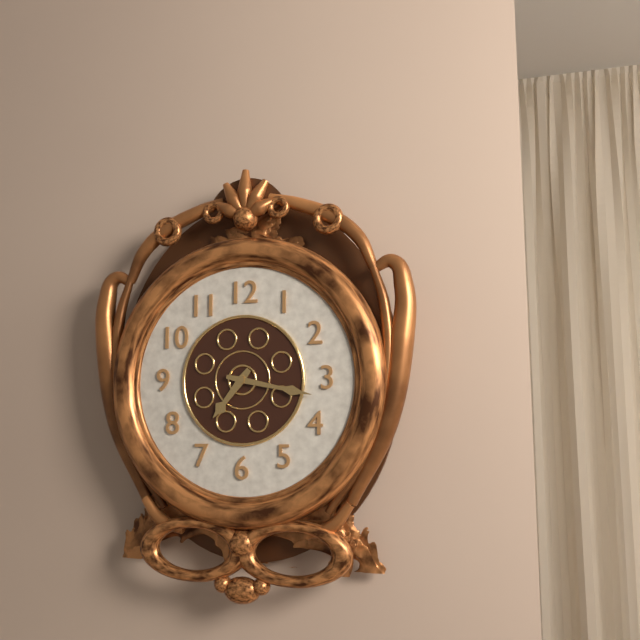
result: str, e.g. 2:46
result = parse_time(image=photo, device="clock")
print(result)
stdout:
7:17
